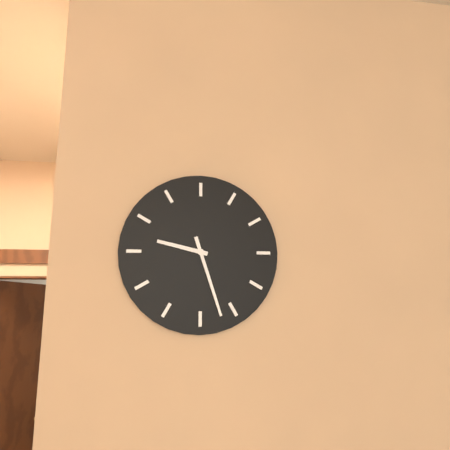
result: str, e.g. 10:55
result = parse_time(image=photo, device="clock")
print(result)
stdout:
9:27
